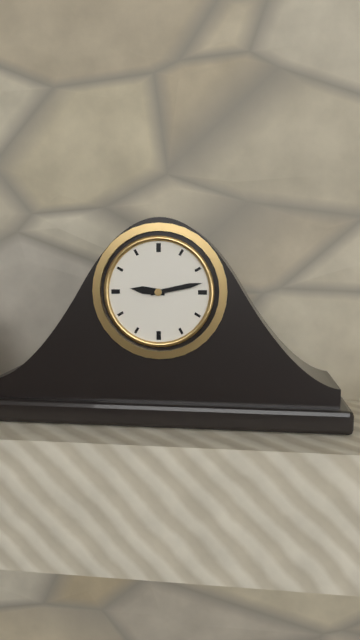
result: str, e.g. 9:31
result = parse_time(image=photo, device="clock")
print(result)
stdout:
9:13
